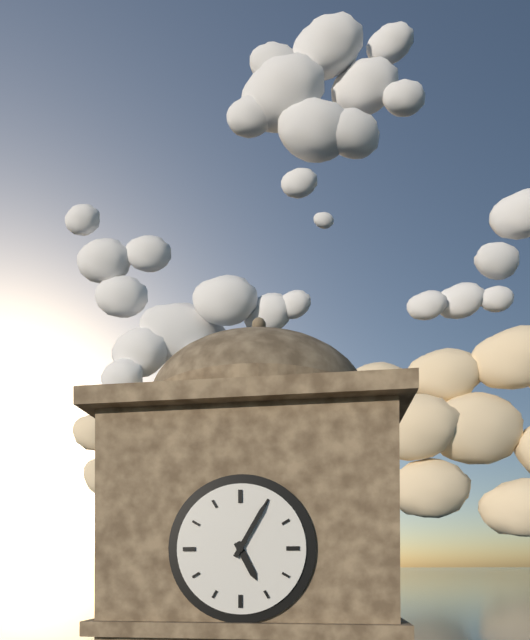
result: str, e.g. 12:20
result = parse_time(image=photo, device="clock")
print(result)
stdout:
5:05
